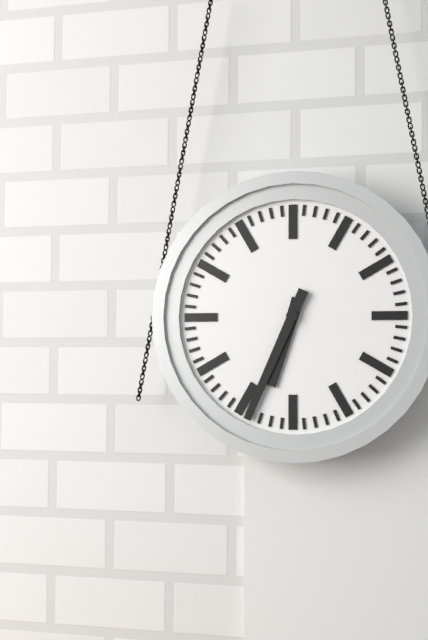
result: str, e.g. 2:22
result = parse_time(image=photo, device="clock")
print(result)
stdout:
6:34
